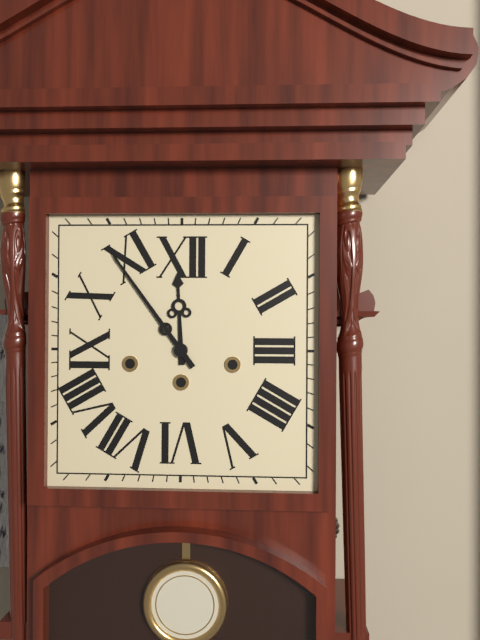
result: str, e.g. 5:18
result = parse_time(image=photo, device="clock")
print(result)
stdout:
11:54
